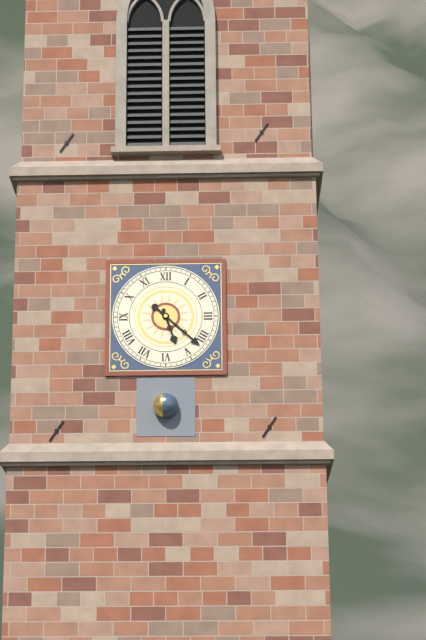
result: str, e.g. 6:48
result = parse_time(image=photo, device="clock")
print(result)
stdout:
5:22
